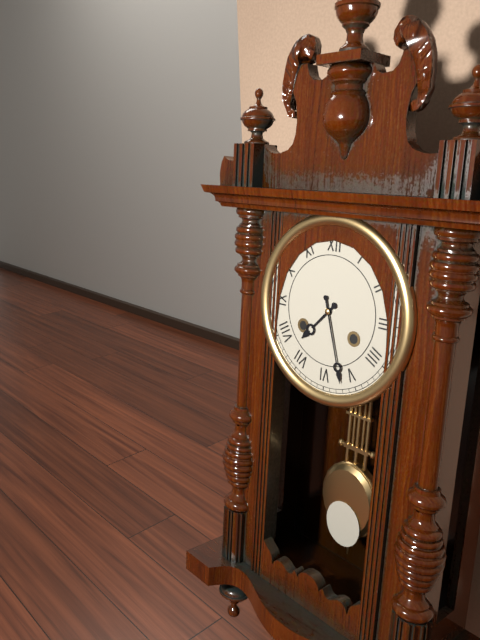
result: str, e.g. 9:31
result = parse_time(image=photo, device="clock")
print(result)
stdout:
7:27
